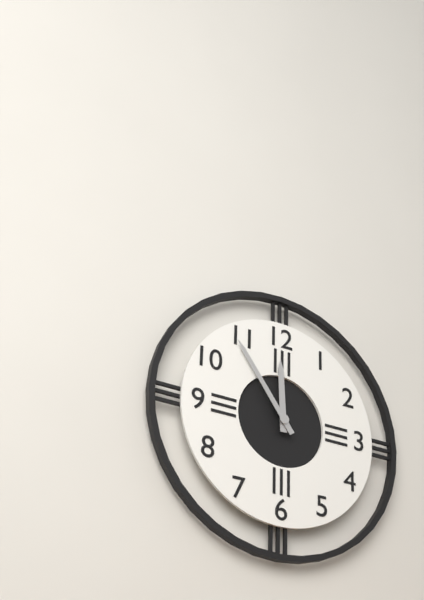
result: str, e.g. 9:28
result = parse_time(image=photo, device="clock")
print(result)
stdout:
11:54
